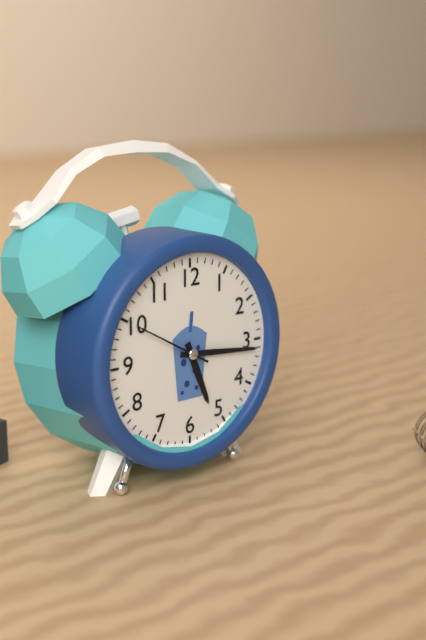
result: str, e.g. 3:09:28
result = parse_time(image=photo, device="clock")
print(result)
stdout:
5:16:50
